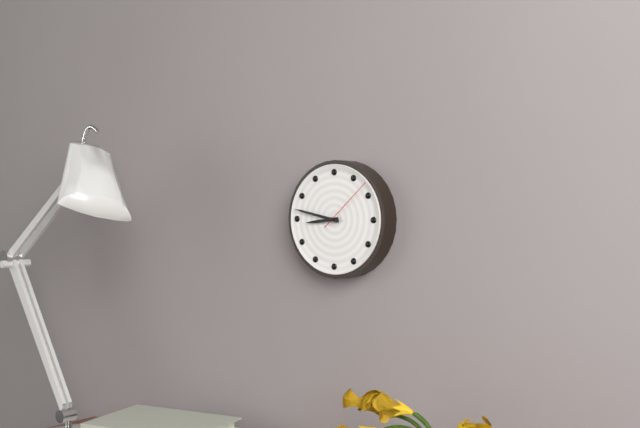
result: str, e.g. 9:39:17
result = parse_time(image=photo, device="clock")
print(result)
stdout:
8:47:08
